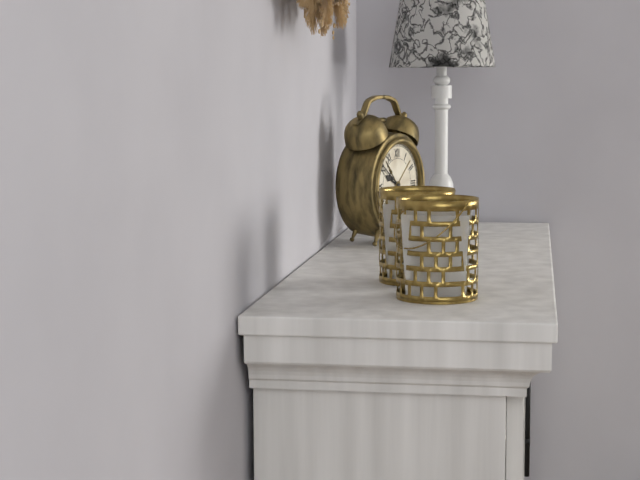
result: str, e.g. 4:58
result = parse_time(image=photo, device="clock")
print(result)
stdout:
9:51
